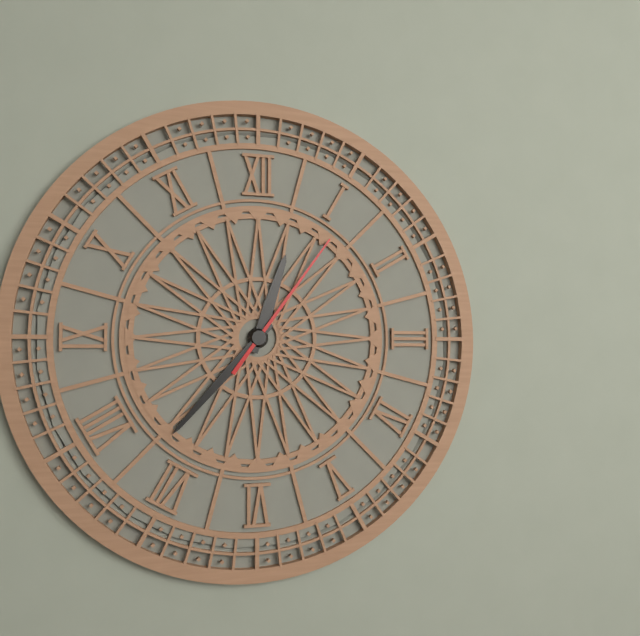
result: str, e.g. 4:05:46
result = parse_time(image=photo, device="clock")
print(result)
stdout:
12:37:06
